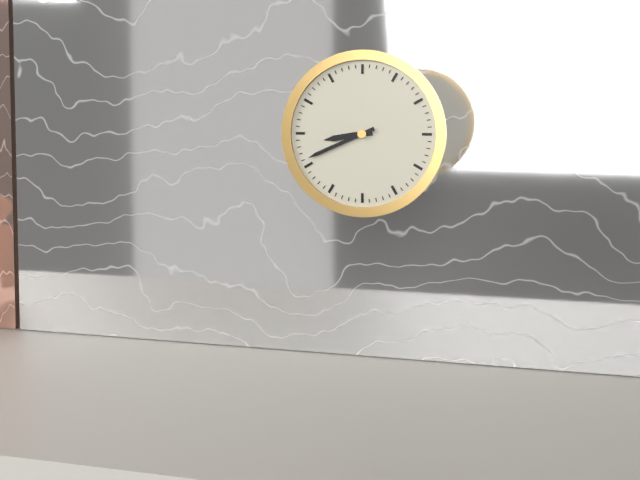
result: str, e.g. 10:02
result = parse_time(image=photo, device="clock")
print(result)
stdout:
8:41
